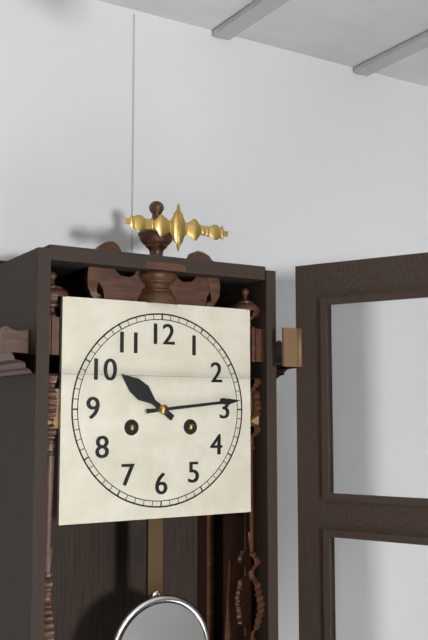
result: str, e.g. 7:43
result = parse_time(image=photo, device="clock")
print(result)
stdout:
10:14
